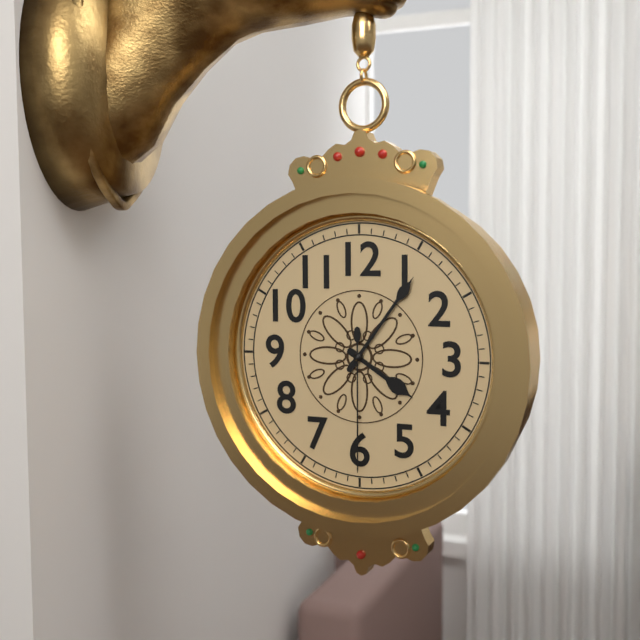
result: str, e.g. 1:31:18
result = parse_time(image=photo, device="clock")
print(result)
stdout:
4:06:30
